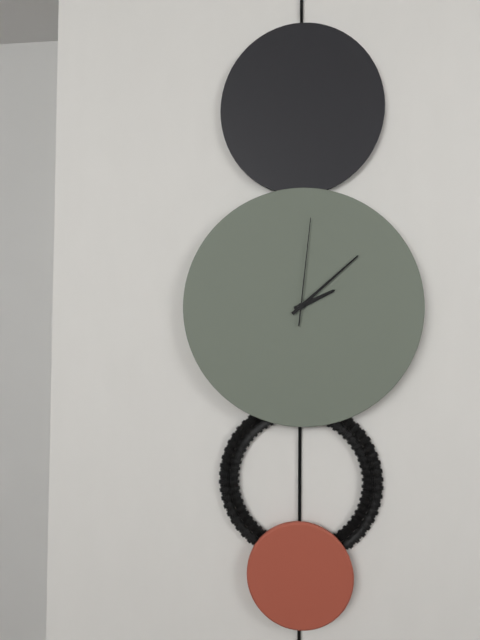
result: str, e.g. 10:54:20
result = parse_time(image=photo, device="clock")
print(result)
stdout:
2:08:01
